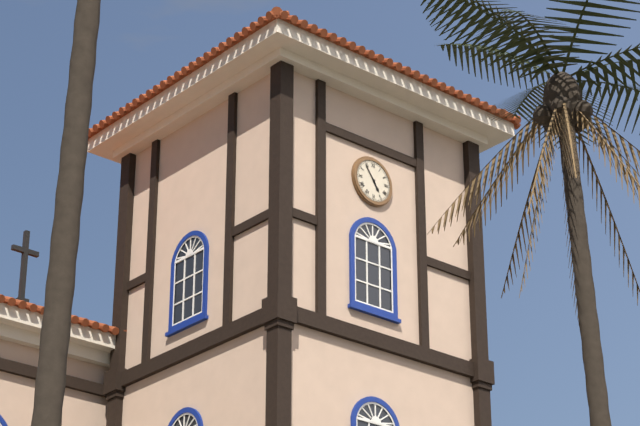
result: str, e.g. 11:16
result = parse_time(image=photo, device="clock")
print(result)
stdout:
4:54
